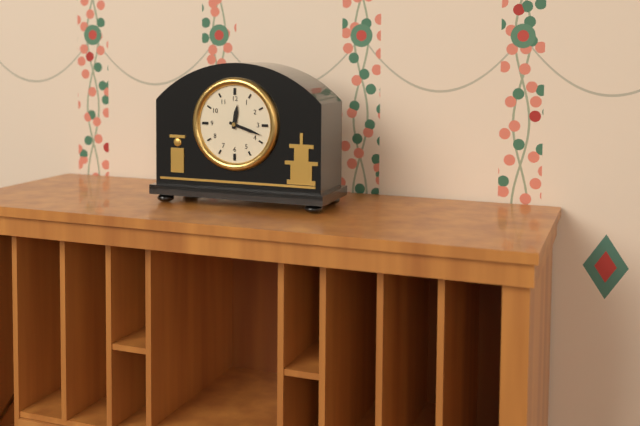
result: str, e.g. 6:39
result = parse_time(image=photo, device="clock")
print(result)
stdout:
12:18
